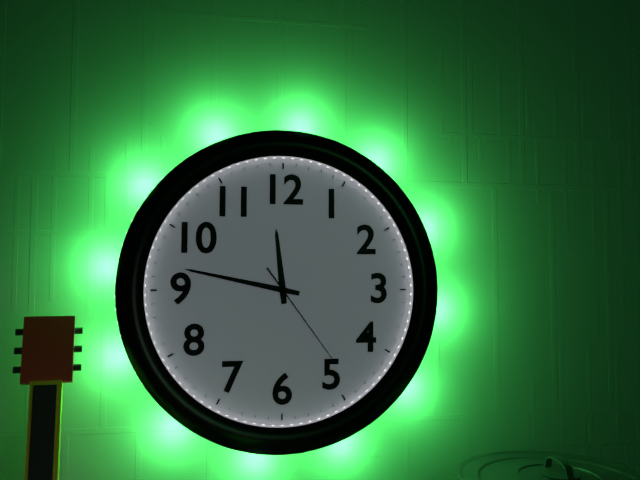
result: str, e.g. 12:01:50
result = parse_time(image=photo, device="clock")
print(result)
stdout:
11:47:24
